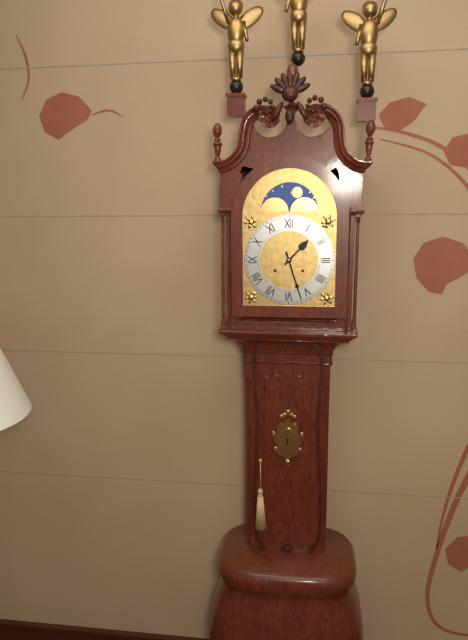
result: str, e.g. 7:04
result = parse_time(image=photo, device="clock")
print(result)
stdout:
1:27
